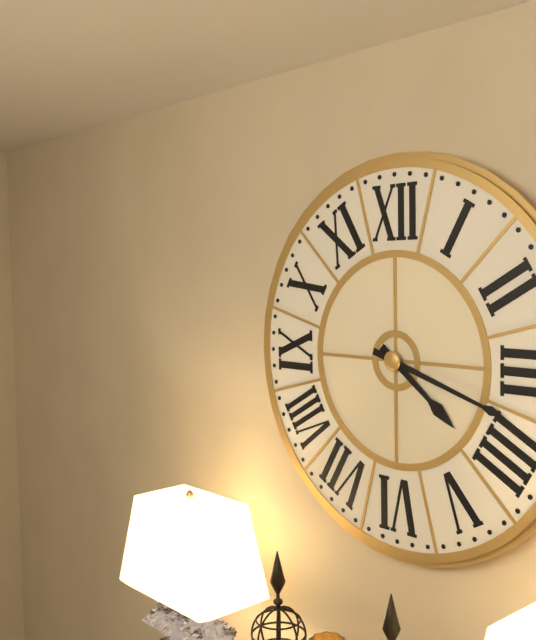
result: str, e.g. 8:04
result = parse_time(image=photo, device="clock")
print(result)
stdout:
4:18
